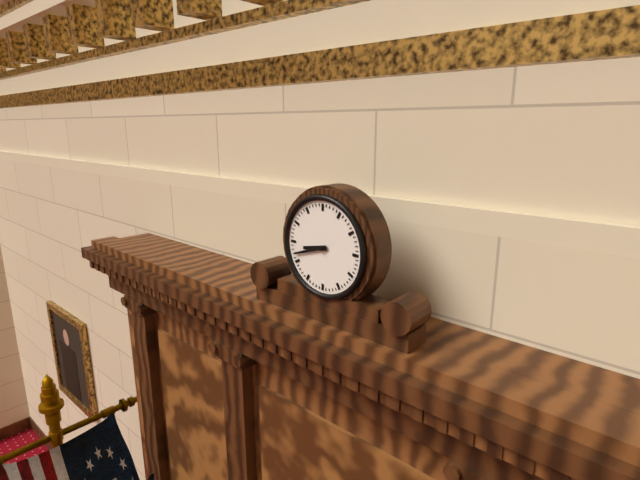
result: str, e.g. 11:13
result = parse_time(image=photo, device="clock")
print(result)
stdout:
8:42
